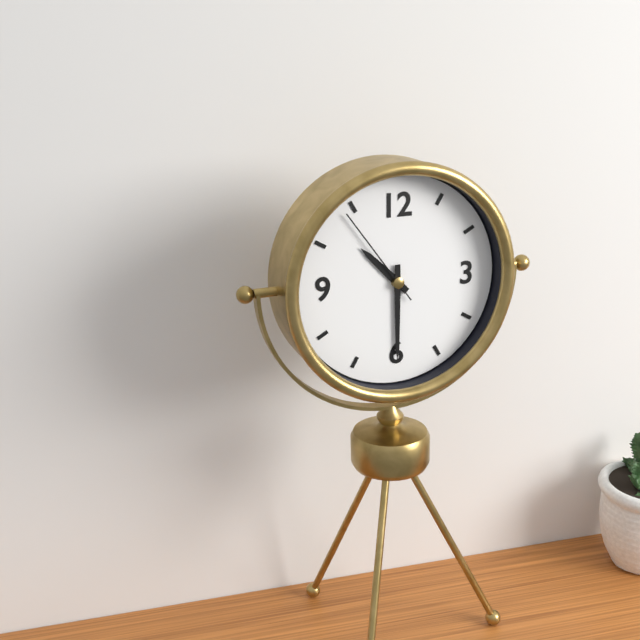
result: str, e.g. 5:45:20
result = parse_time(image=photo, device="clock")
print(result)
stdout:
10:30:54
